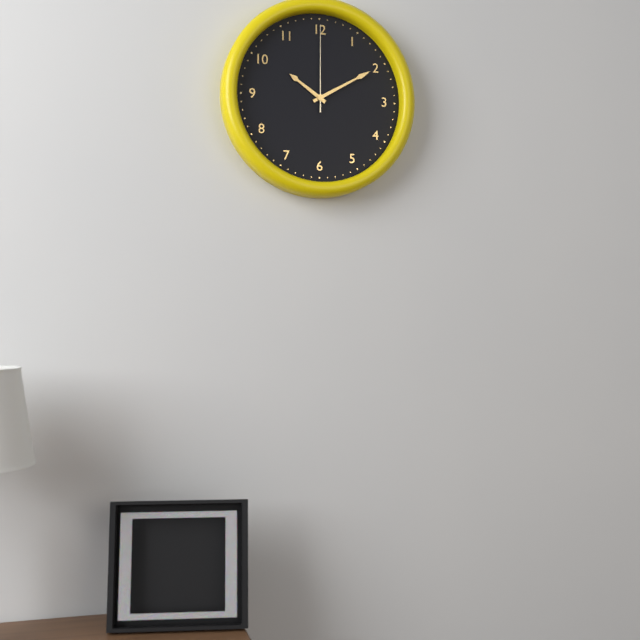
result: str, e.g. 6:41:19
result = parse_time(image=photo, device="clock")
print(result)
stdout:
10:10:00
